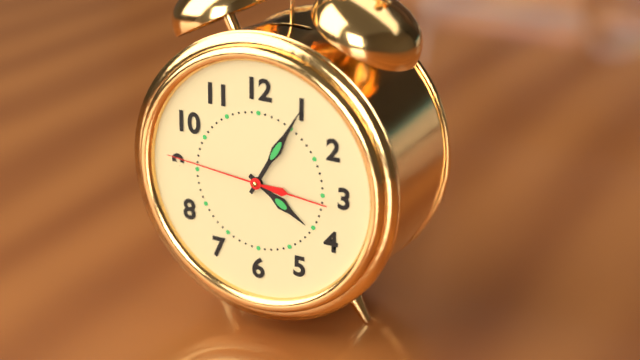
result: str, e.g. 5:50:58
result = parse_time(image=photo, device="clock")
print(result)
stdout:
4:05:46
